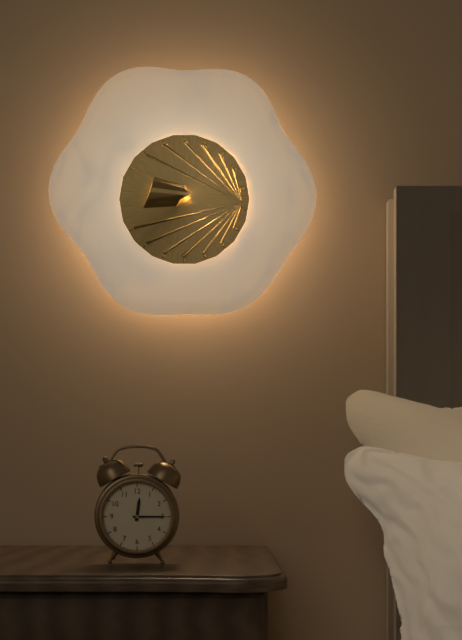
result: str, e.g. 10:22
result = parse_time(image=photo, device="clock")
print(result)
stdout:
12:15
